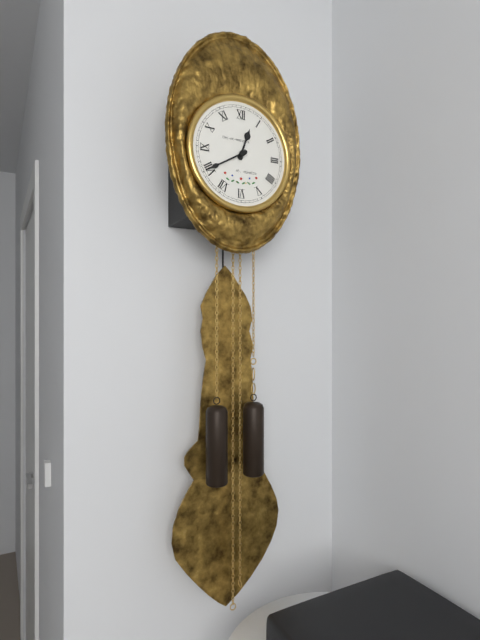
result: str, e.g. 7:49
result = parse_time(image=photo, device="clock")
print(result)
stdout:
12:40
